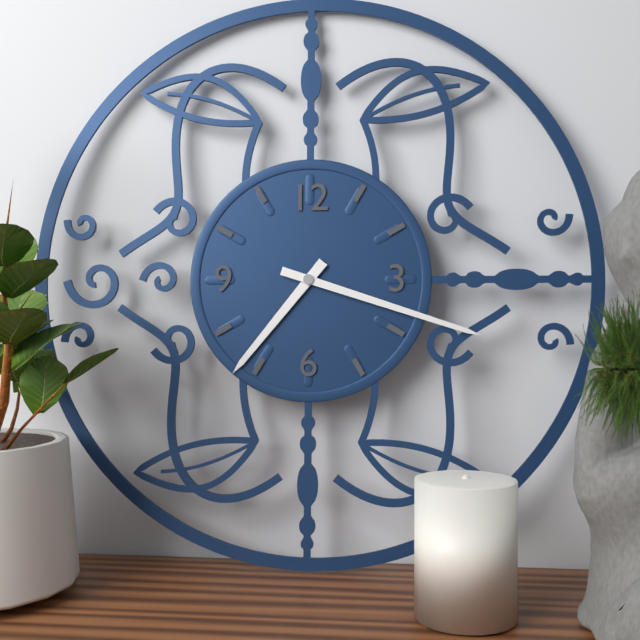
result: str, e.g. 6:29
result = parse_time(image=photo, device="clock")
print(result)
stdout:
7:18
